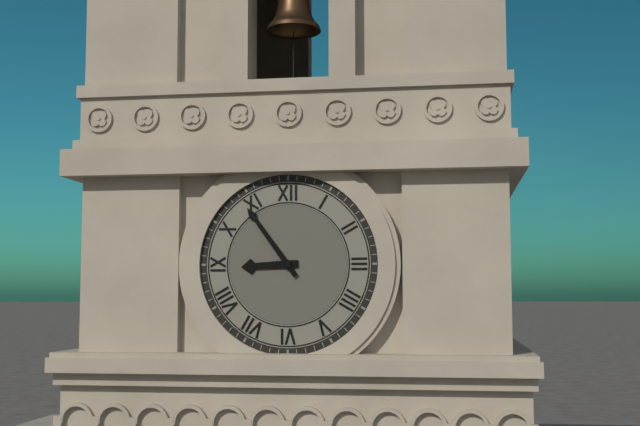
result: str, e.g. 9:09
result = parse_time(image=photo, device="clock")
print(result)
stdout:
8:54
